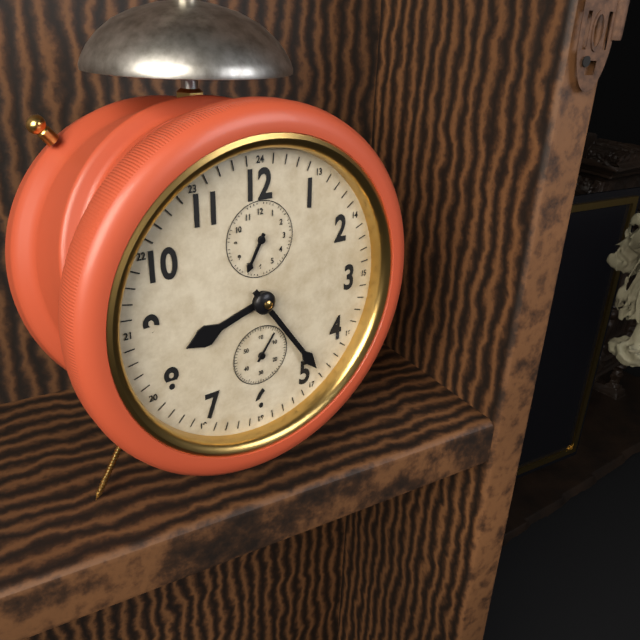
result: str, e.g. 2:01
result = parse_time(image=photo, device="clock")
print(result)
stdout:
8:24
